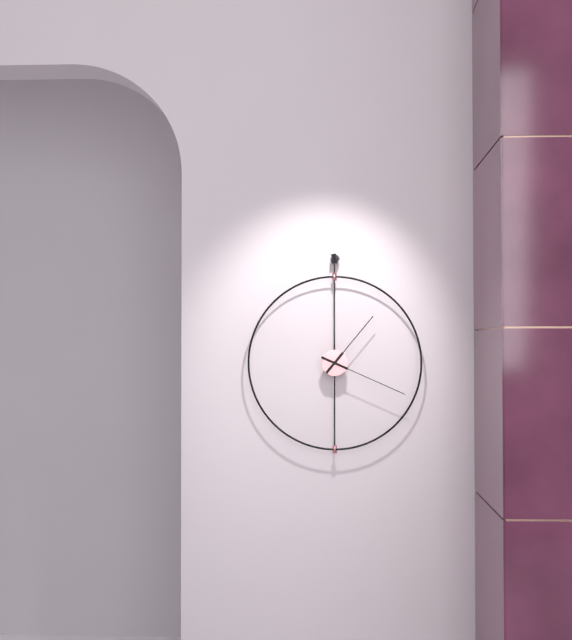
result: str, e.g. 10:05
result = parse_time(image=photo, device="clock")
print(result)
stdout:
1:19
